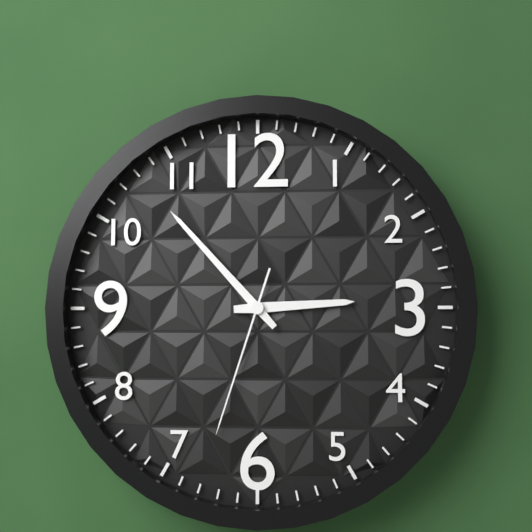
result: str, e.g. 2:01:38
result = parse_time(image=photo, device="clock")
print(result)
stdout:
2:53:33
